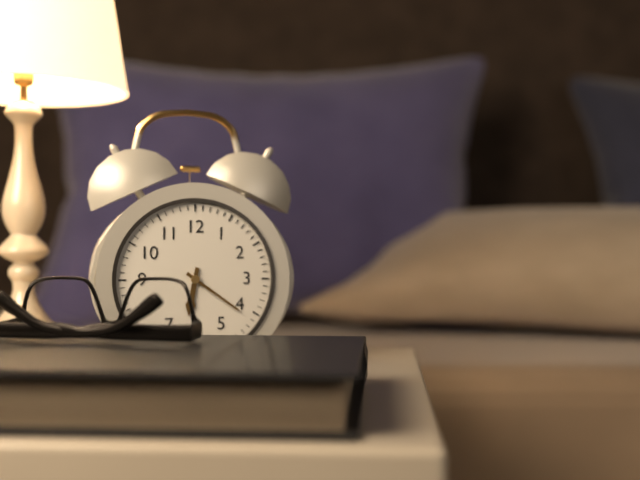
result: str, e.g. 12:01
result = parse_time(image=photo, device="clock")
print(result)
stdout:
6:21
